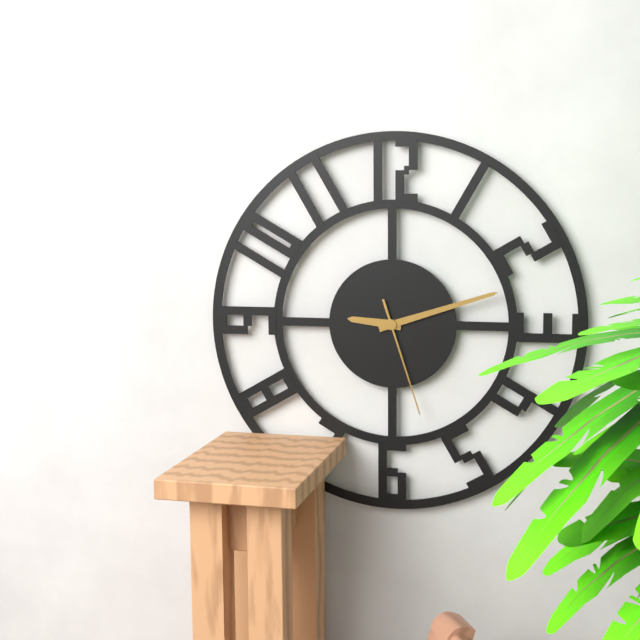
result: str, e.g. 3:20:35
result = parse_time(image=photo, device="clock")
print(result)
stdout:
9:12:27
